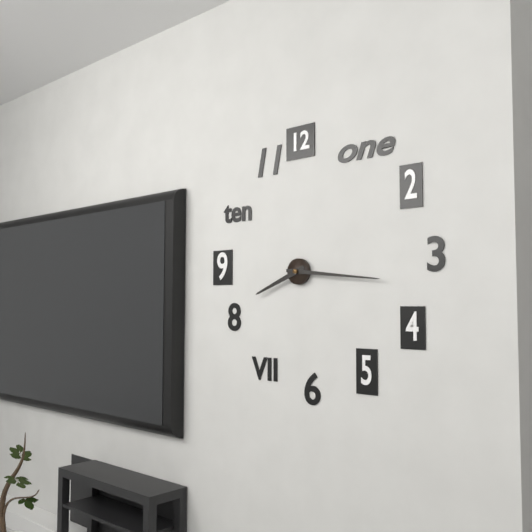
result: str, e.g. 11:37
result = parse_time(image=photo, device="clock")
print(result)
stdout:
8:16
